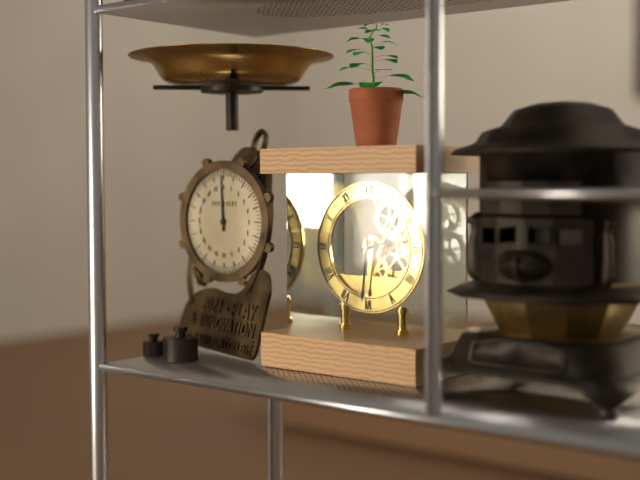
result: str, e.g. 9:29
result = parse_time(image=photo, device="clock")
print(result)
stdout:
2:31
